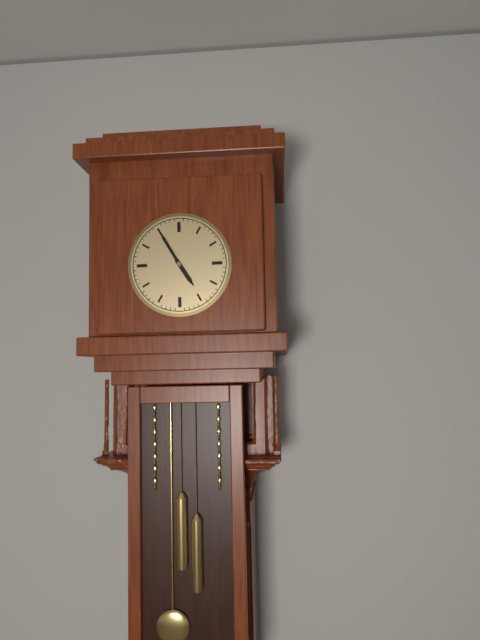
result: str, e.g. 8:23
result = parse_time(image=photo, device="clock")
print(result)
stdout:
4:55
